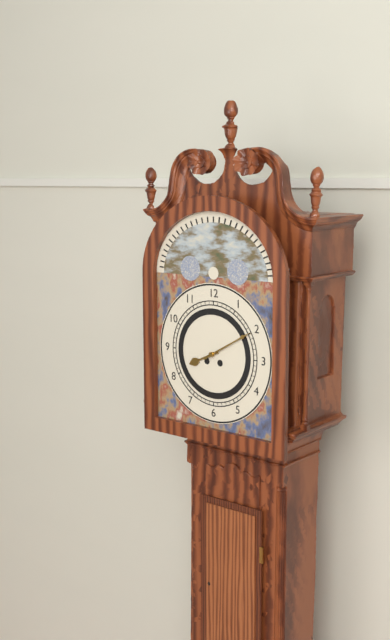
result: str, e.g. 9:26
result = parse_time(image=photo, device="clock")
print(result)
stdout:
8:10
